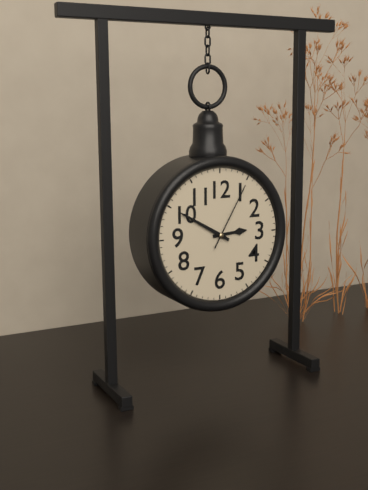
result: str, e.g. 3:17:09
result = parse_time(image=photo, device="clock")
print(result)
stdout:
2:50:05
